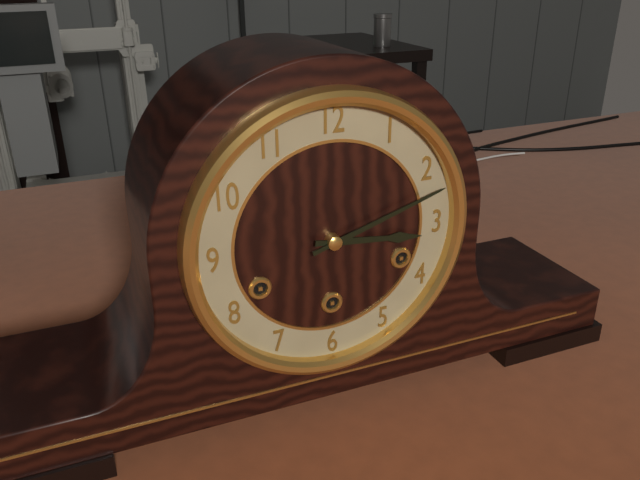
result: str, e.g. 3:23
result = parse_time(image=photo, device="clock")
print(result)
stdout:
3:12
